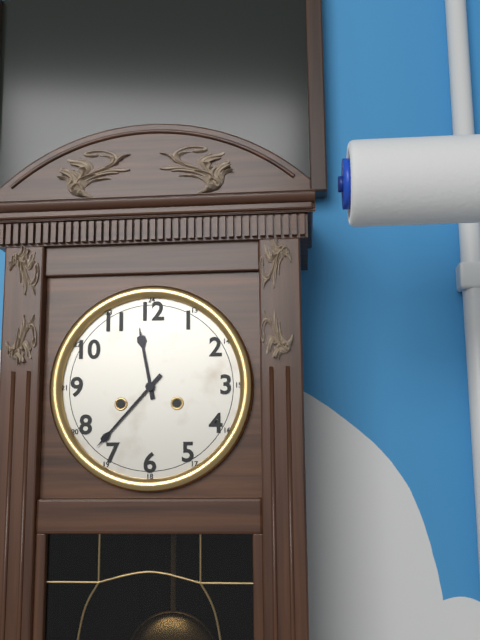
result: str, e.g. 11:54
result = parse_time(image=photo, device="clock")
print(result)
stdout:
11:37
